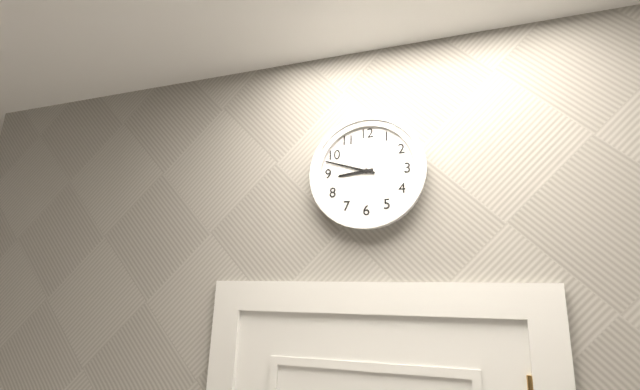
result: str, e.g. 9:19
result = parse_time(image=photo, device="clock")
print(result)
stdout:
8:48
